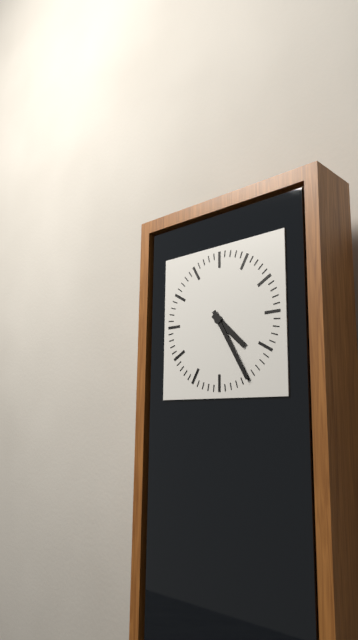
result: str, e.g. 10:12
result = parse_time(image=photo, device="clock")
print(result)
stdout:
4:25
